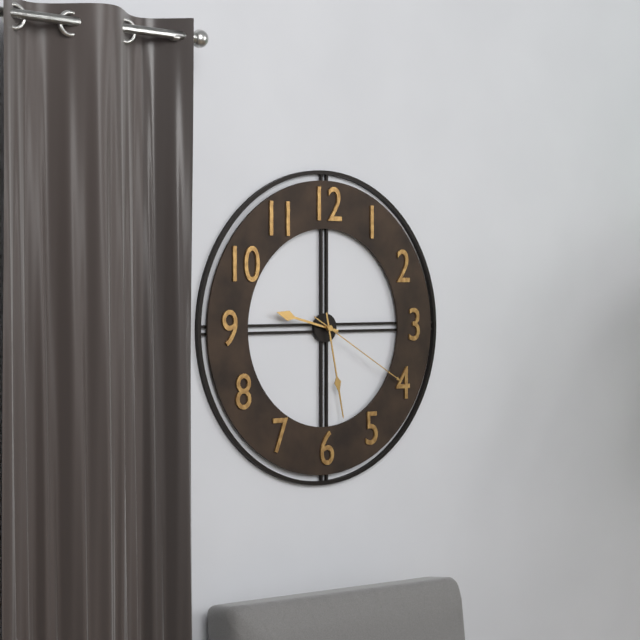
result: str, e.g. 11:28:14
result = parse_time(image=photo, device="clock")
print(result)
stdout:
9:28:20
